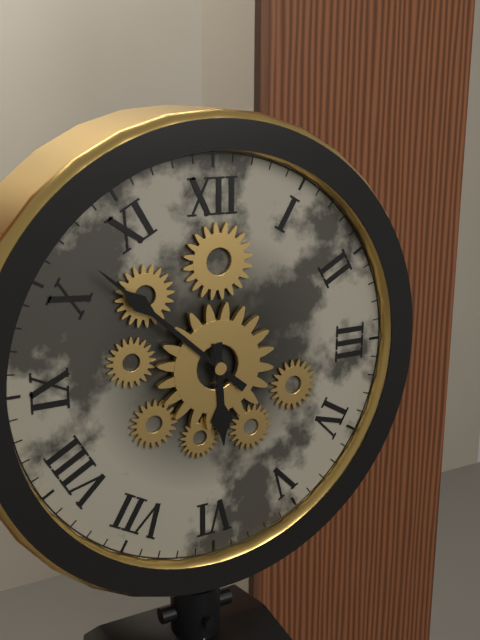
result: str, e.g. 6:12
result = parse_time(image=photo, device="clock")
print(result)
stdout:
5:52
